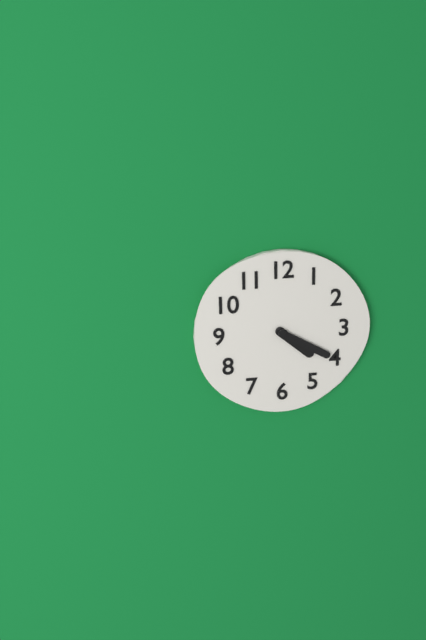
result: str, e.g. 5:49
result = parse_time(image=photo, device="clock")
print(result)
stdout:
4:20
